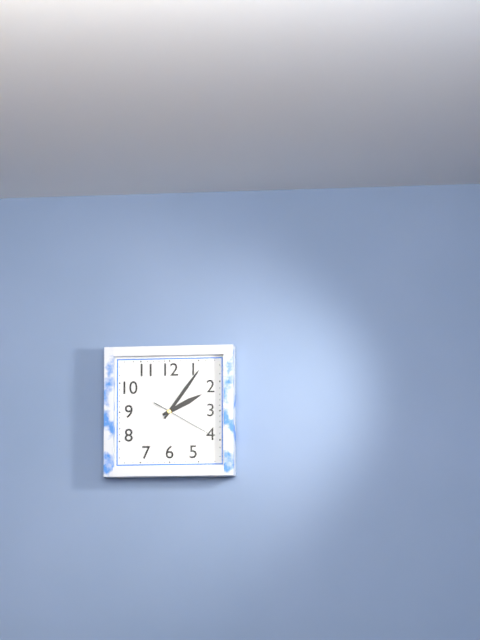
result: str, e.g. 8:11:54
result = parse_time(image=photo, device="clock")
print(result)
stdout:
2:06:20
